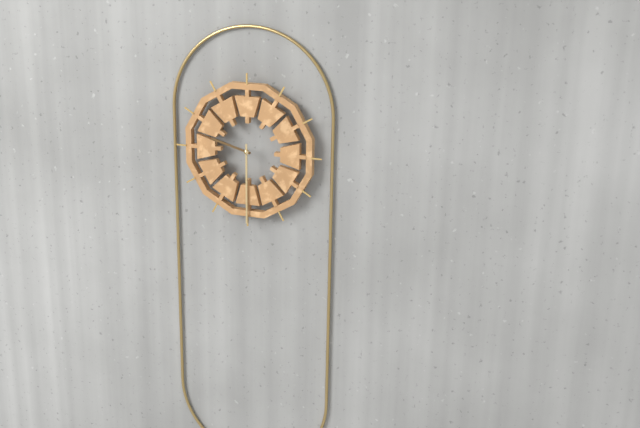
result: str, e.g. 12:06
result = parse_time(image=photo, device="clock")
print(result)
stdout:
9:30
